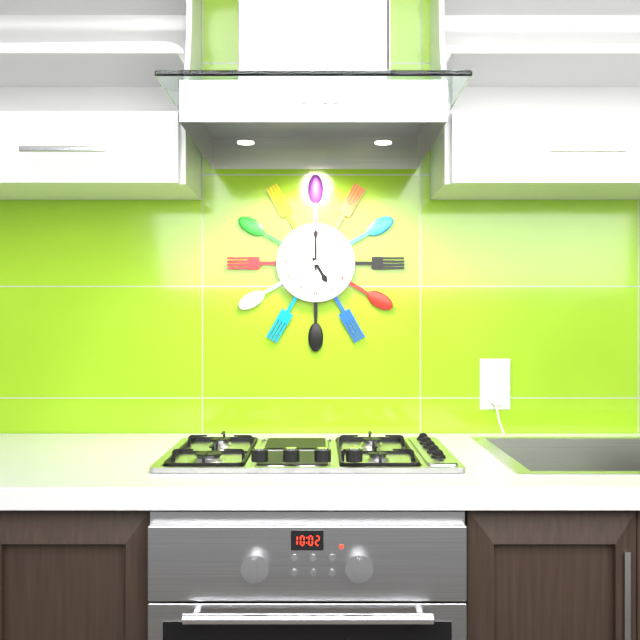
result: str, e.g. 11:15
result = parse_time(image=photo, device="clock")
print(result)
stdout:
5:00
